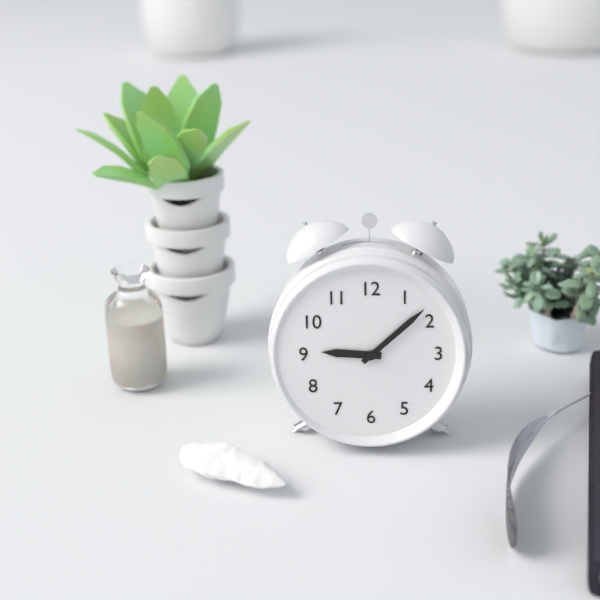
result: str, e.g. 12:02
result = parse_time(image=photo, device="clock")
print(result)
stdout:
9:08
